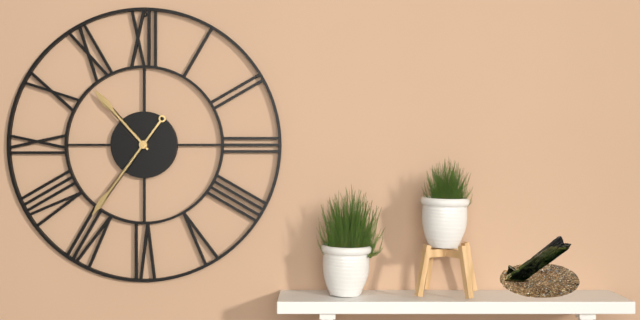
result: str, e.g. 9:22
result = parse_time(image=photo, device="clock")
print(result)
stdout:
10:36
